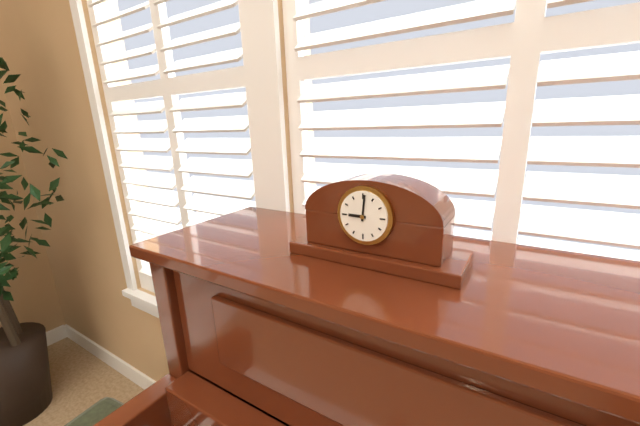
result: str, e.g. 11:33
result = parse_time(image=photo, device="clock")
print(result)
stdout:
9:01
